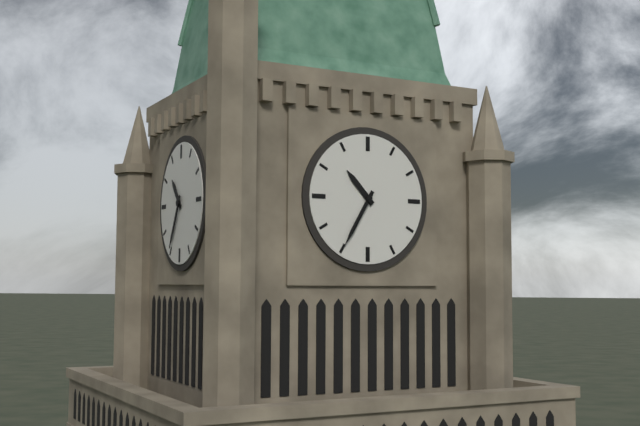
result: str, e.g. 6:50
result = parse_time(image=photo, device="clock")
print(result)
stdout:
10:35
